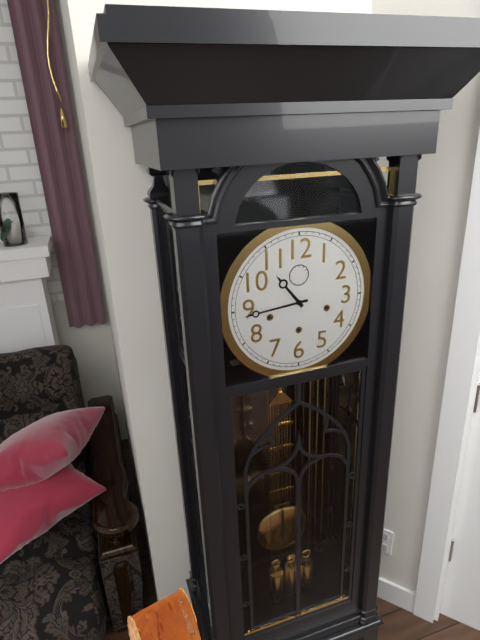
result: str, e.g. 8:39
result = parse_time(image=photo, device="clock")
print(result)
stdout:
10:44
